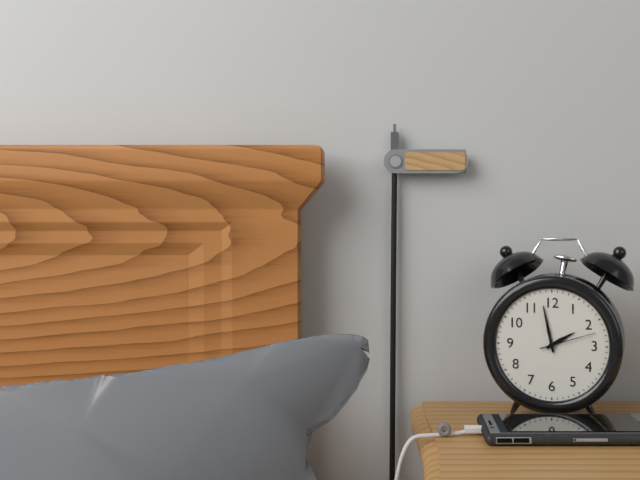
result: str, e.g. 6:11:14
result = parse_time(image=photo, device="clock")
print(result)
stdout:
1:58:12
